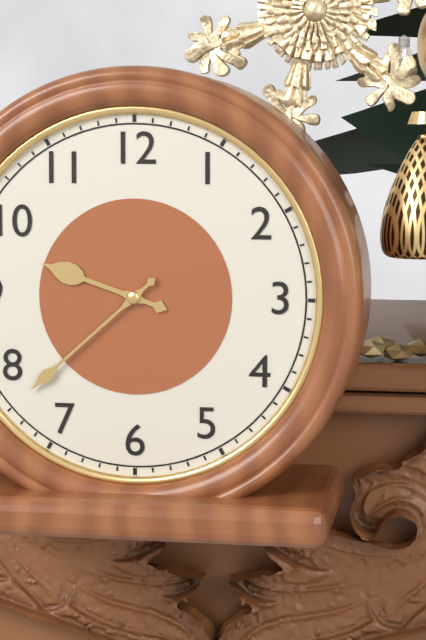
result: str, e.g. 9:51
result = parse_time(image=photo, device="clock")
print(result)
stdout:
9:38
